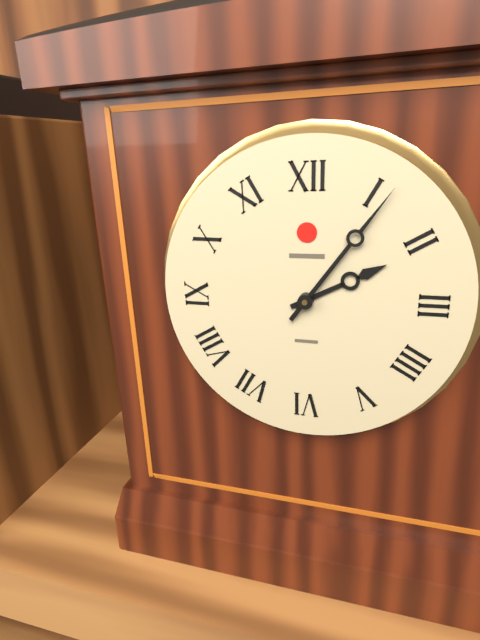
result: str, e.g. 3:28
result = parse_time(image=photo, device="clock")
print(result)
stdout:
2:06
